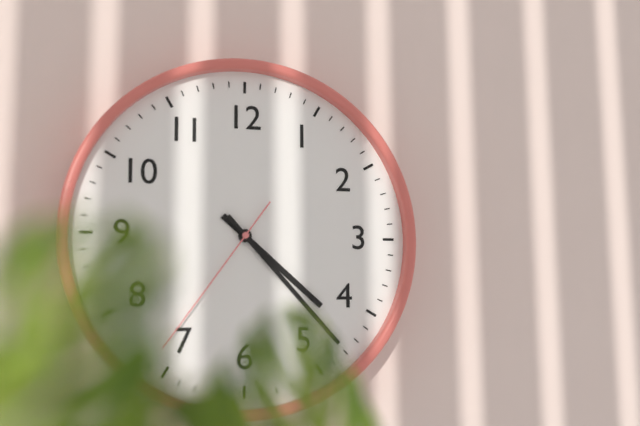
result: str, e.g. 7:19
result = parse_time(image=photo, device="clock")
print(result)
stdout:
4:23
